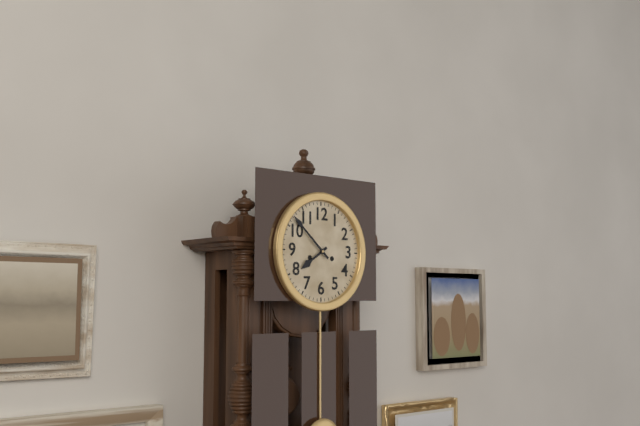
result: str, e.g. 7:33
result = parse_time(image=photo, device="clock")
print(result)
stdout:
7:52
